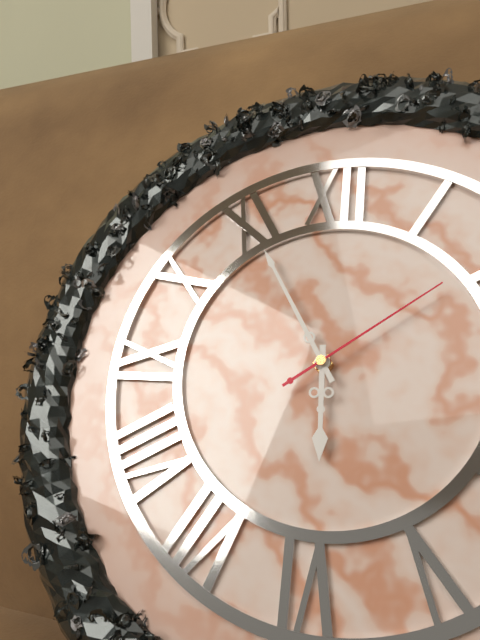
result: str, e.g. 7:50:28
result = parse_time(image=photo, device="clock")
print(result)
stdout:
5:55:09
